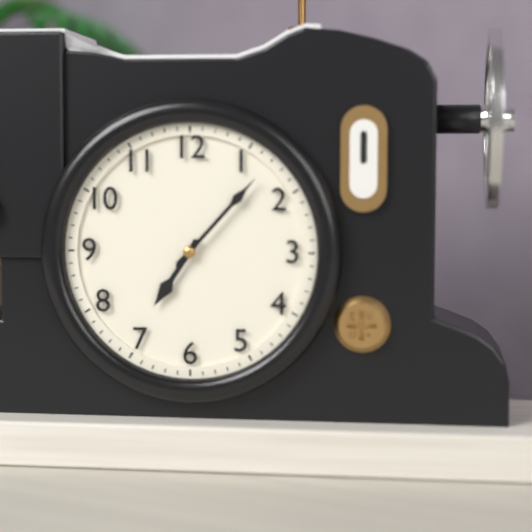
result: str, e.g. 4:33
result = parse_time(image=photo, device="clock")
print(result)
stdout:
7:07
